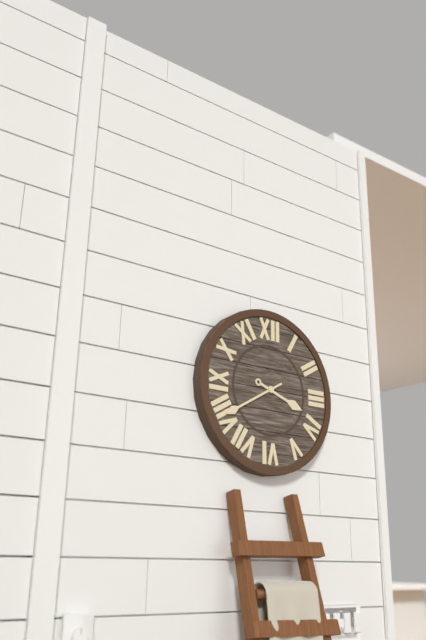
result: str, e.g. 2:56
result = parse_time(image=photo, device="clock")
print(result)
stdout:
3:40
